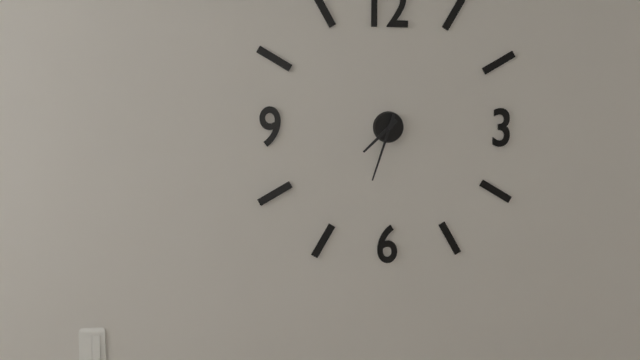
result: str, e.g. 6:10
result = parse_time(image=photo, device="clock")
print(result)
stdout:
7:33
